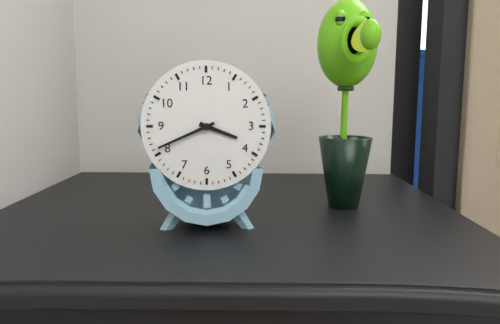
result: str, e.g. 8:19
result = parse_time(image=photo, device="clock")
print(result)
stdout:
3:41
